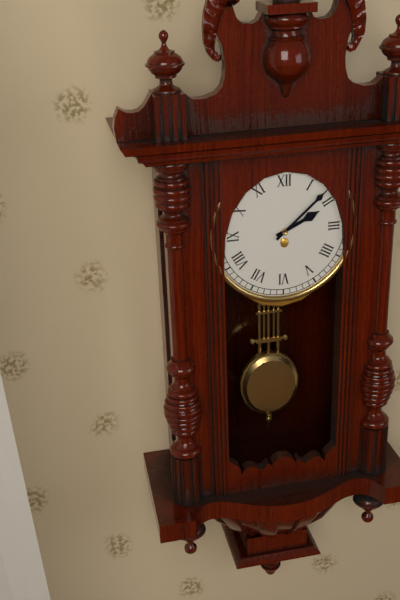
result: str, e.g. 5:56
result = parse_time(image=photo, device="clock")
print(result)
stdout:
2:08
